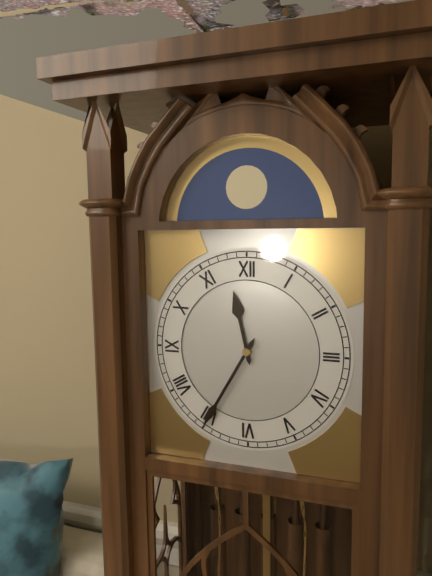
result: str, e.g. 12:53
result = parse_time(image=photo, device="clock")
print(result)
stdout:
11:35
